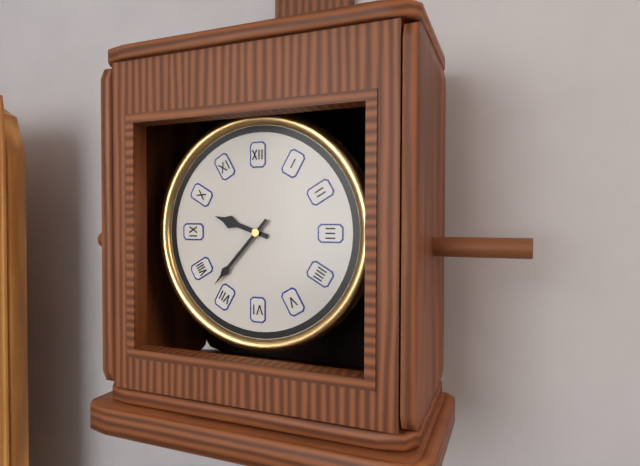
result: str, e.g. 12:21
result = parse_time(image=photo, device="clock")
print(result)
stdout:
9:37
